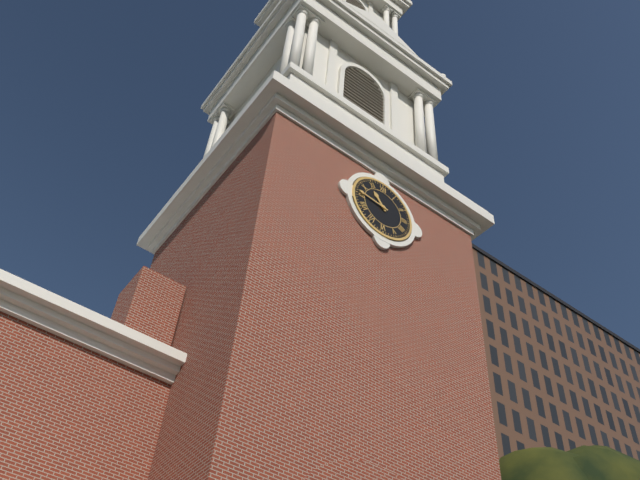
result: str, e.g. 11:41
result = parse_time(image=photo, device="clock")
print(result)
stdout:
10:46
